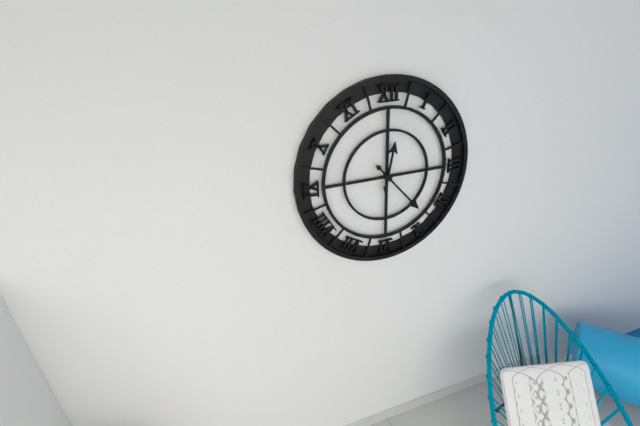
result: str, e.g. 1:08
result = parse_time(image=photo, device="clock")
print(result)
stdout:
12:23
